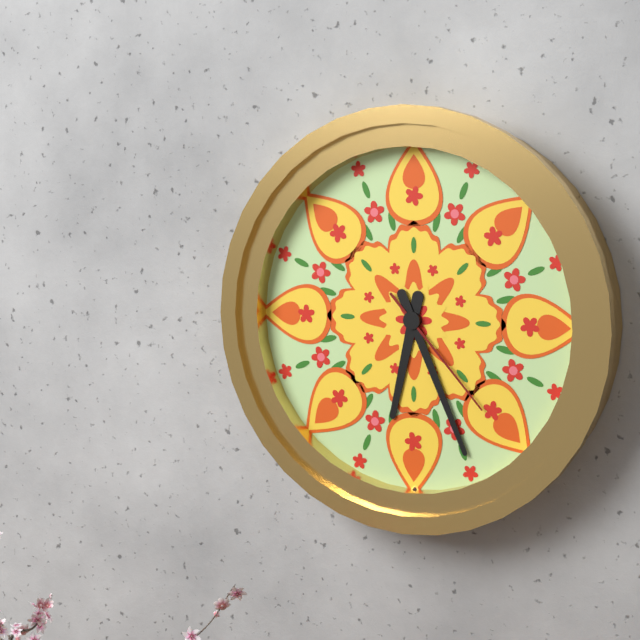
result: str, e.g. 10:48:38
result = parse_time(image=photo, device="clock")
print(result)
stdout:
6:26:23
